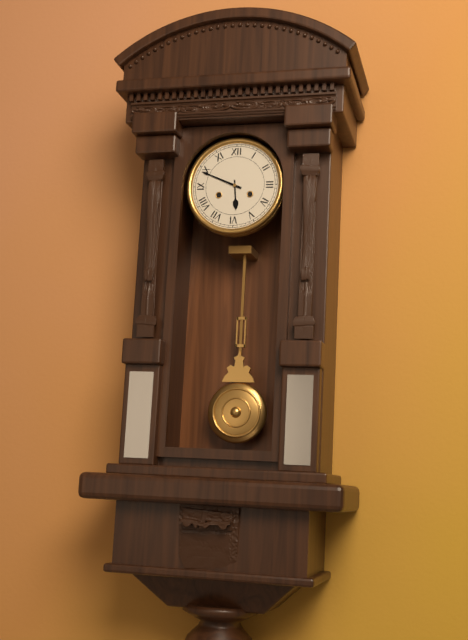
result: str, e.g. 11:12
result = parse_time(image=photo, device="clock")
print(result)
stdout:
5:49
